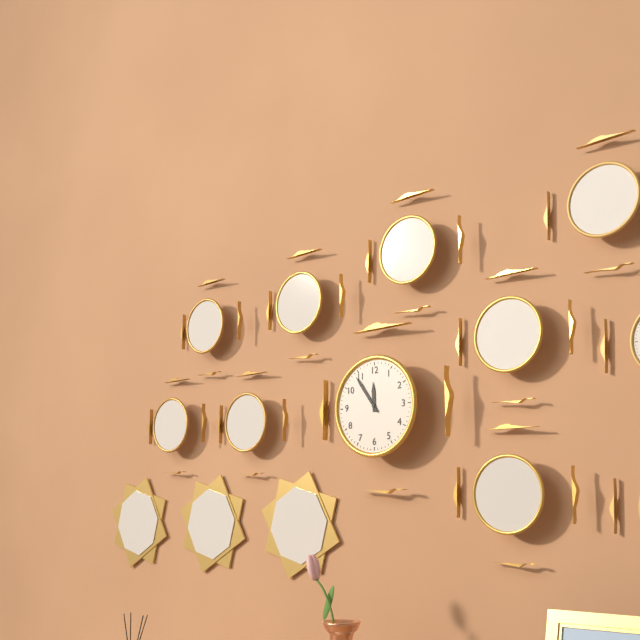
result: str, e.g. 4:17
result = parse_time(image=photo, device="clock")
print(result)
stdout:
11:54
